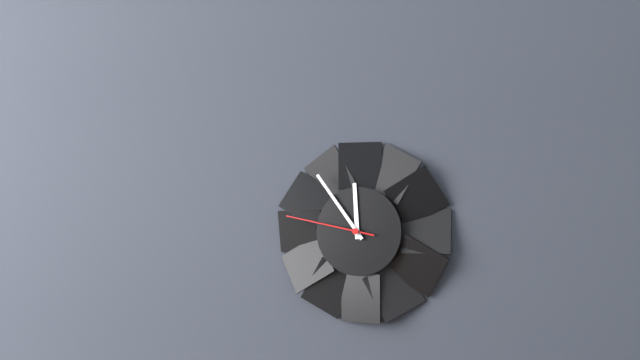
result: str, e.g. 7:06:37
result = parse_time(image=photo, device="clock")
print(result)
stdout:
11:54:47
